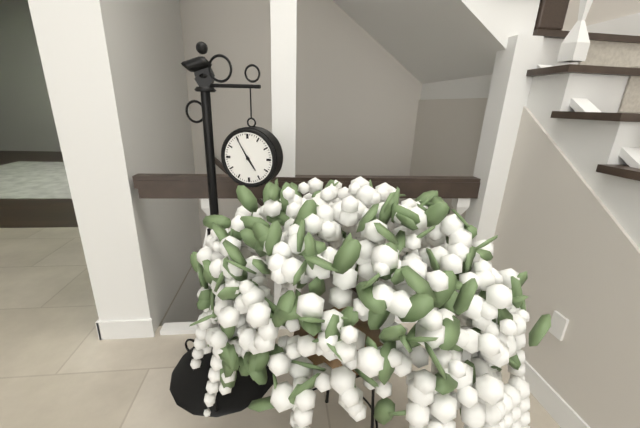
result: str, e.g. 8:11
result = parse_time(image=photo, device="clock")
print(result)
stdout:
4:55
